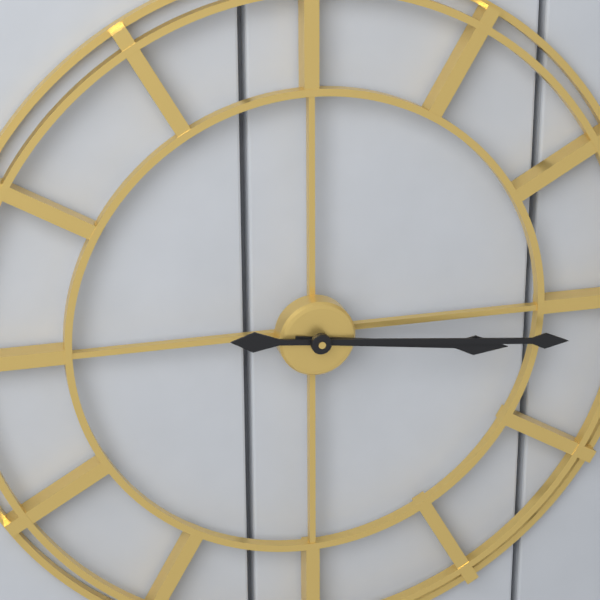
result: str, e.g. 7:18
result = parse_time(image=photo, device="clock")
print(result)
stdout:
3:16
